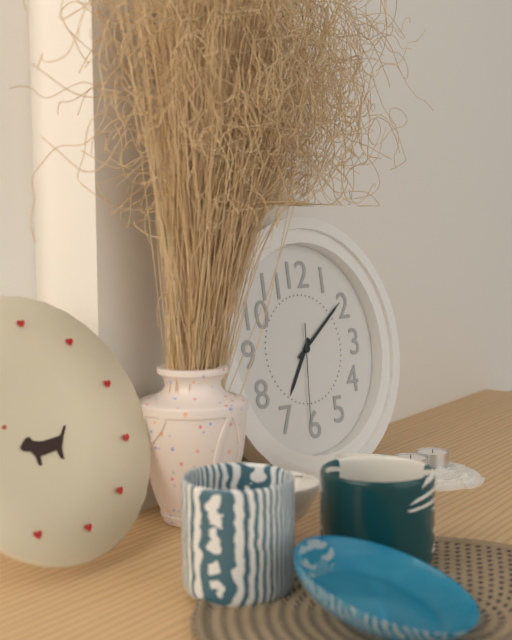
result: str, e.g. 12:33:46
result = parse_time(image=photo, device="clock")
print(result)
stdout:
7:09:31
